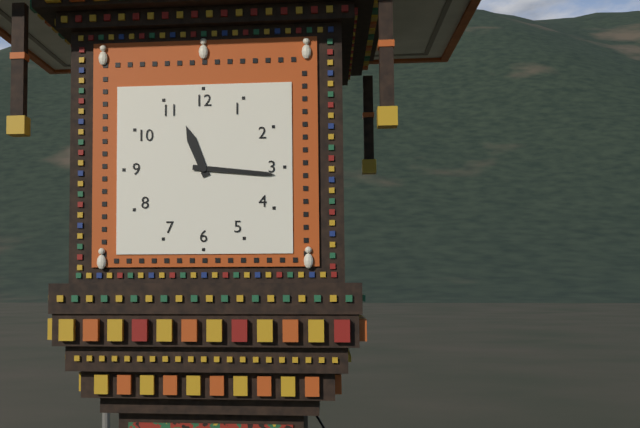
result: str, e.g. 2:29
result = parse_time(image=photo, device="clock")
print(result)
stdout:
11:16
